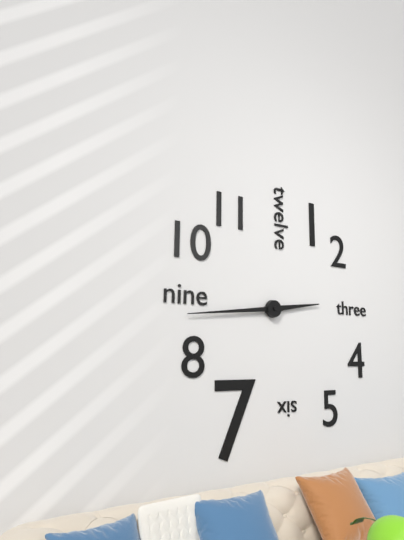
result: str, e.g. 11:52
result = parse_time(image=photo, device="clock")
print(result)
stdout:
2:44
